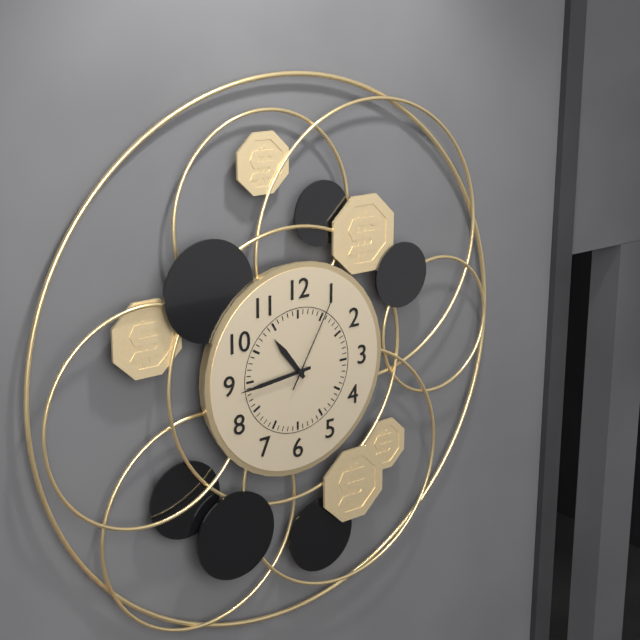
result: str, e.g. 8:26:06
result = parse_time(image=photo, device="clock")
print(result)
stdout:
10:44:05
